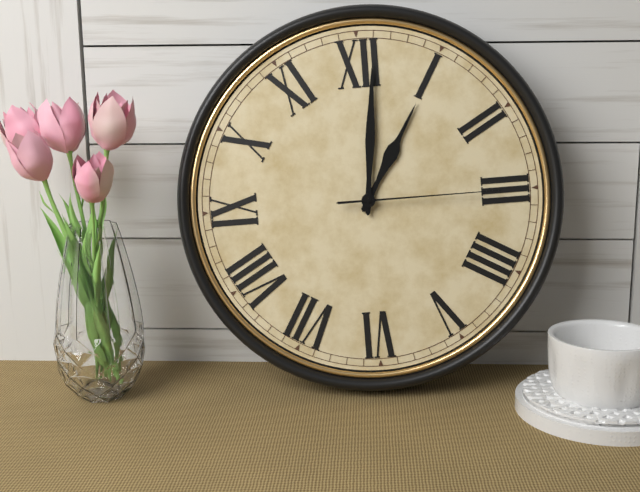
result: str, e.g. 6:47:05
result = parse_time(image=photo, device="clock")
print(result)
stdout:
1:01:15
